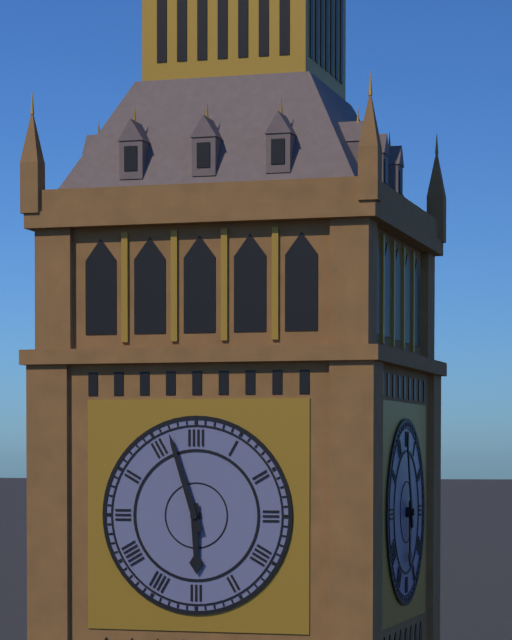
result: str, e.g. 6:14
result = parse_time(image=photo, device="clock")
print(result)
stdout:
5:57
